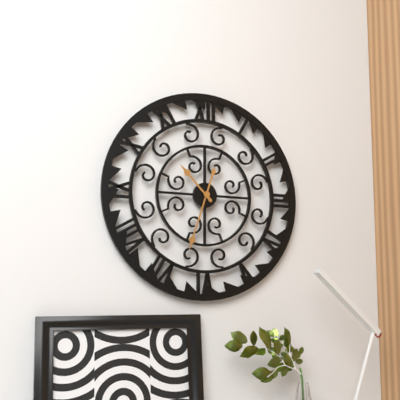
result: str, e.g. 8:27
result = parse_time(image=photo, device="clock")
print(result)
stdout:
10:33
